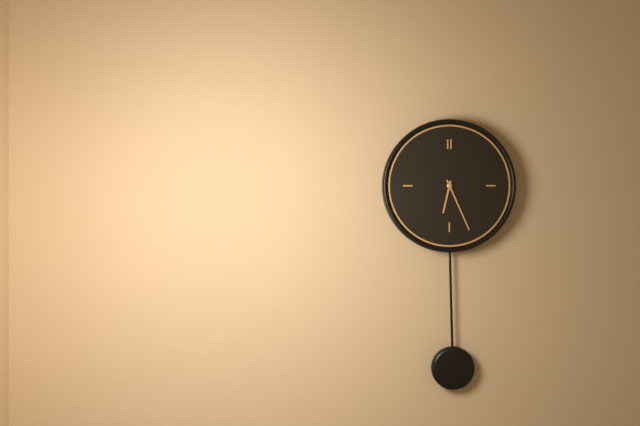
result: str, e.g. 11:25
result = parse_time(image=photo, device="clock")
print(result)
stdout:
6:26
